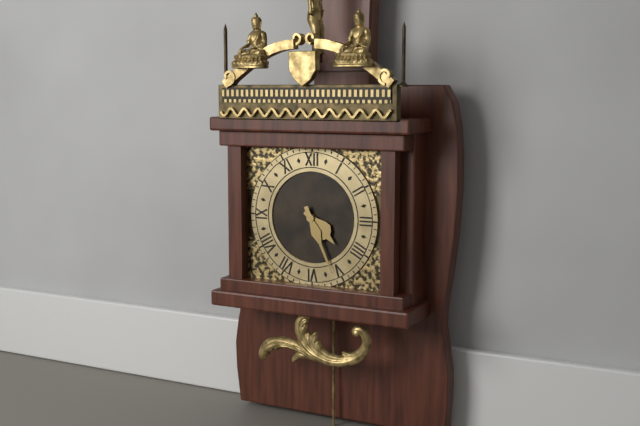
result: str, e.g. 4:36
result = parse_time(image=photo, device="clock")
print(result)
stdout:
4:26
